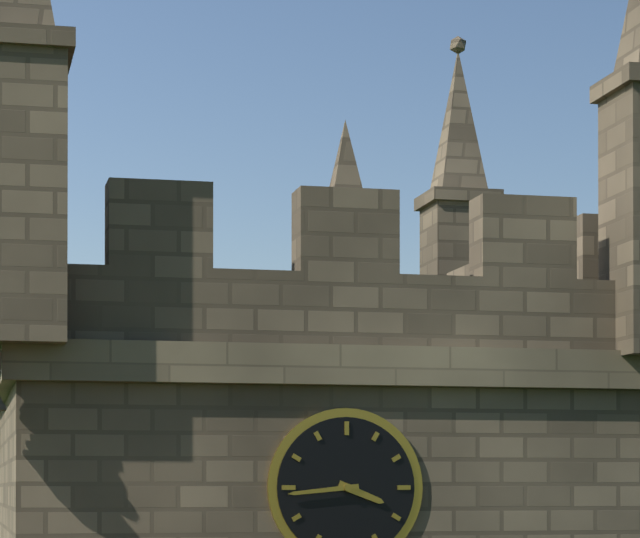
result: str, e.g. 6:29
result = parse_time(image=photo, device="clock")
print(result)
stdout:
3:44
